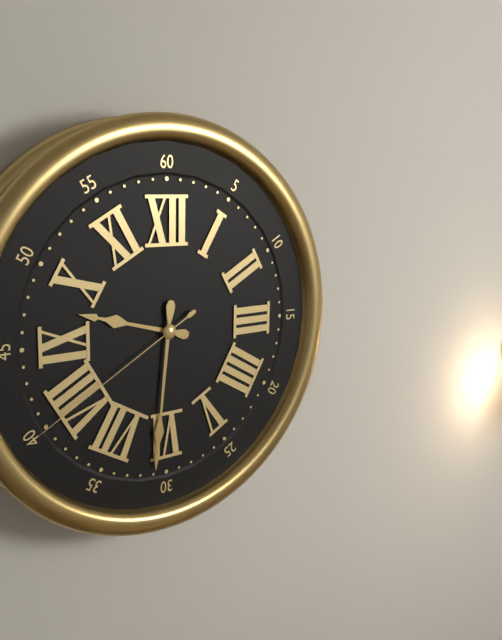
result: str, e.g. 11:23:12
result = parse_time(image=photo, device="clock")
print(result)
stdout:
9:31:40
